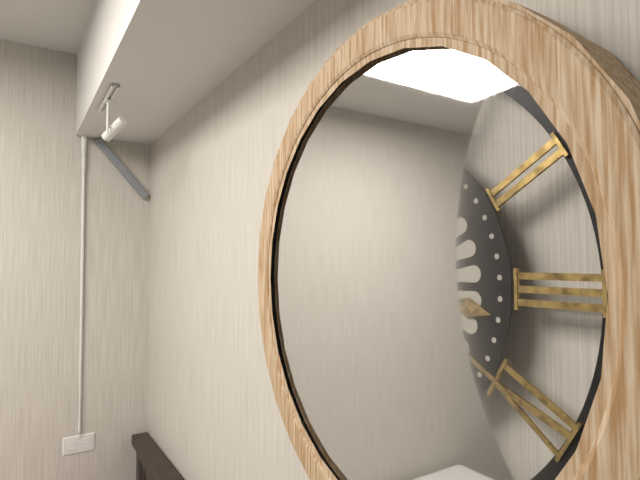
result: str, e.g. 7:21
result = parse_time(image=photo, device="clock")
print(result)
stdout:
3:20
